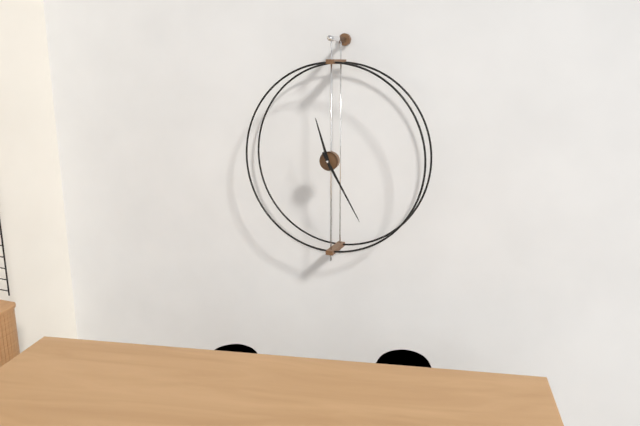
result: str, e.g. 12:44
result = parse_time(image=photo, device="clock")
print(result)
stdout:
11:25
